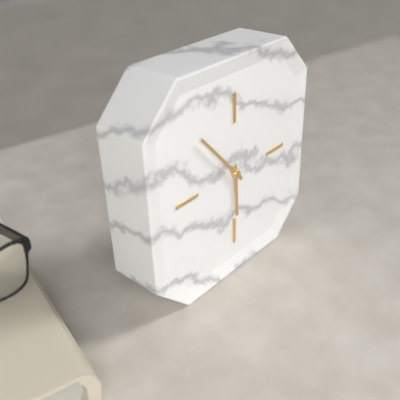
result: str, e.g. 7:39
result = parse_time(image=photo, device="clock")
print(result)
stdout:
5:53
